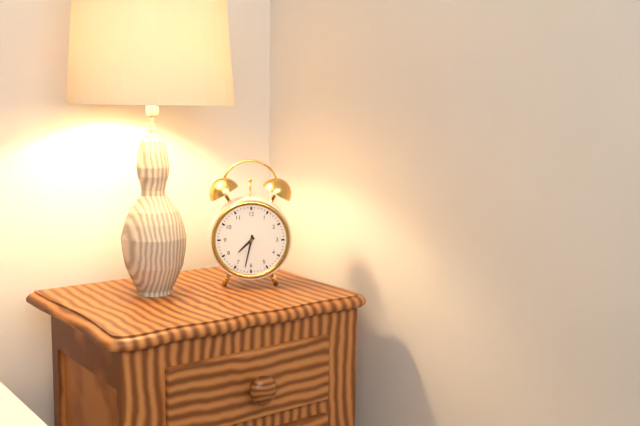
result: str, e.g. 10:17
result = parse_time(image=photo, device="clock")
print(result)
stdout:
7:32
